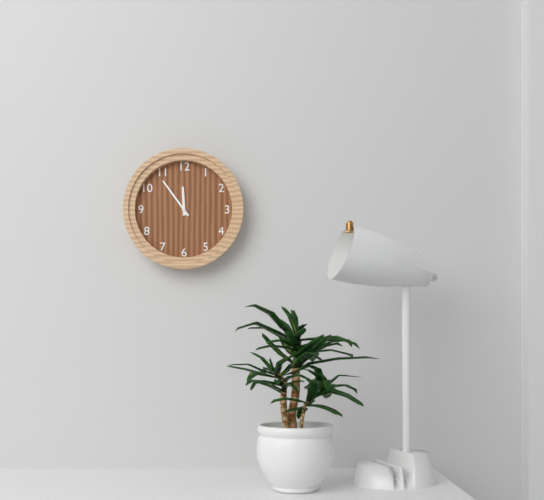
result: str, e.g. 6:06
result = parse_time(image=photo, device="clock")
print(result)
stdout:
11:54
